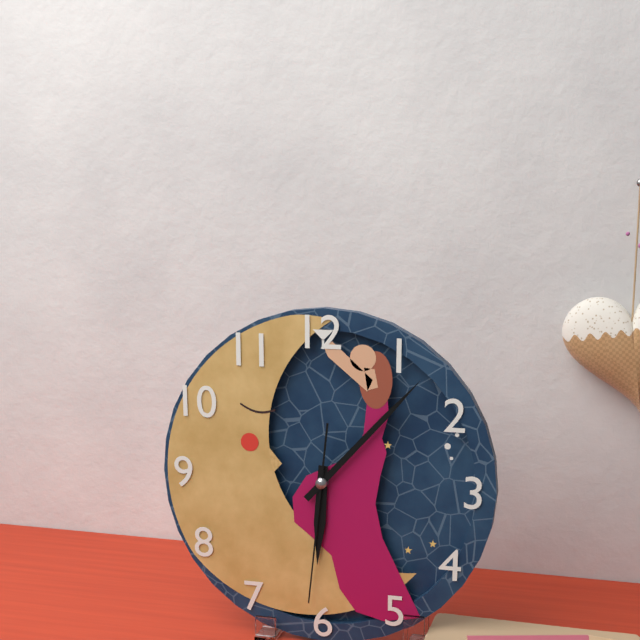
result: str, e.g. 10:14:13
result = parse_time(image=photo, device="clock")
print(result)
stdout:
6:07:31
